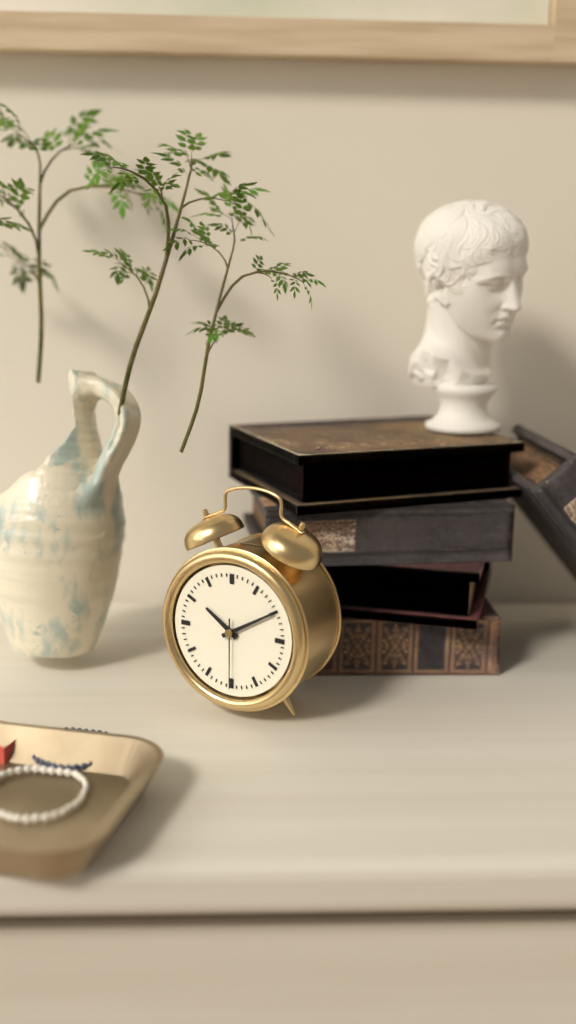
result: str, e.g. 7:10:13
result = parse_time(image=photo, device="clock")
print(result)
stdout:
10:10:30
